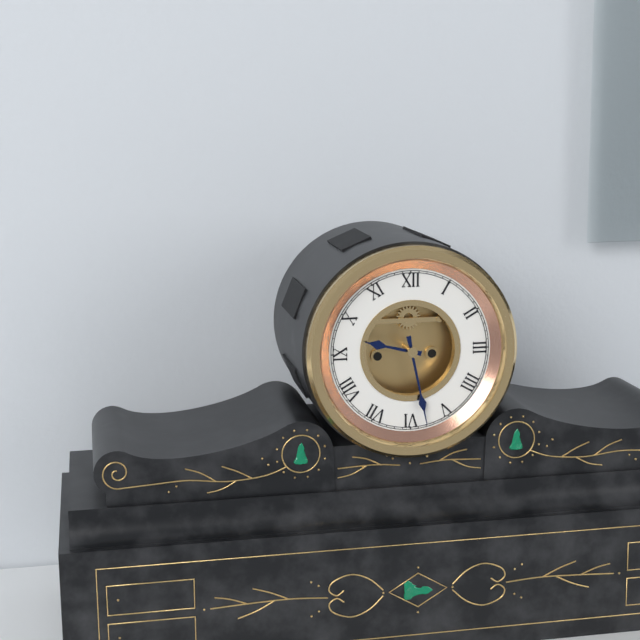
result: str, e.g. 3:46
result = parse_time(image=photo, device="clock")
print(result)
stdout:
9:28
